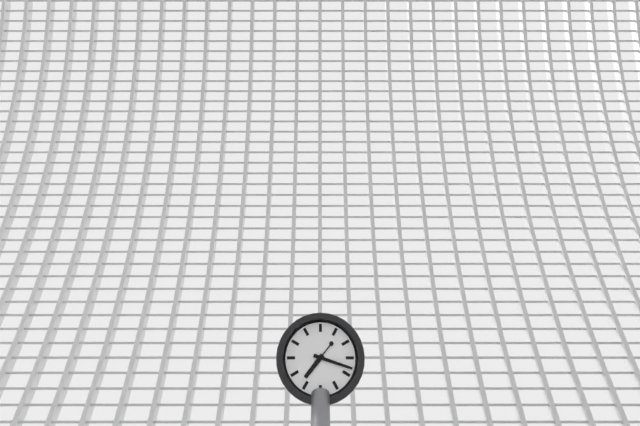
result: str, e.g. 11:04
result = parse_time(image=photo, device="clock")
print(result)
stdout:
7:18
